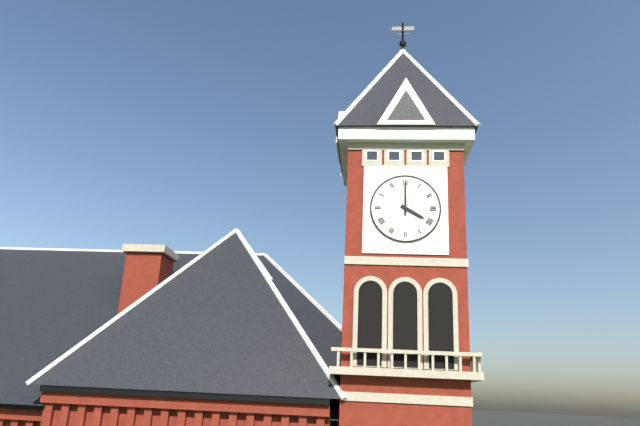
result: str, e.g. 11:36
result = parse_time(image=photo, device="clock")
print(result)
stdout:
4:00
